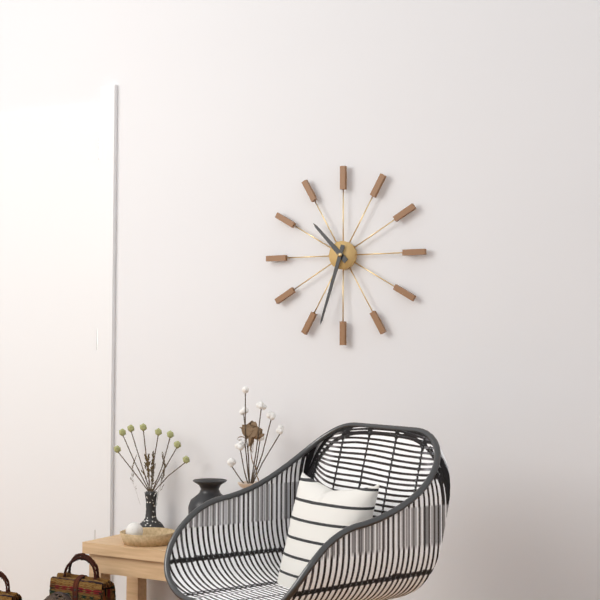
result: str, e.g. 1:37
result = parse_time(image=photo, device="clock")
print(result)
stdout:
10:33
